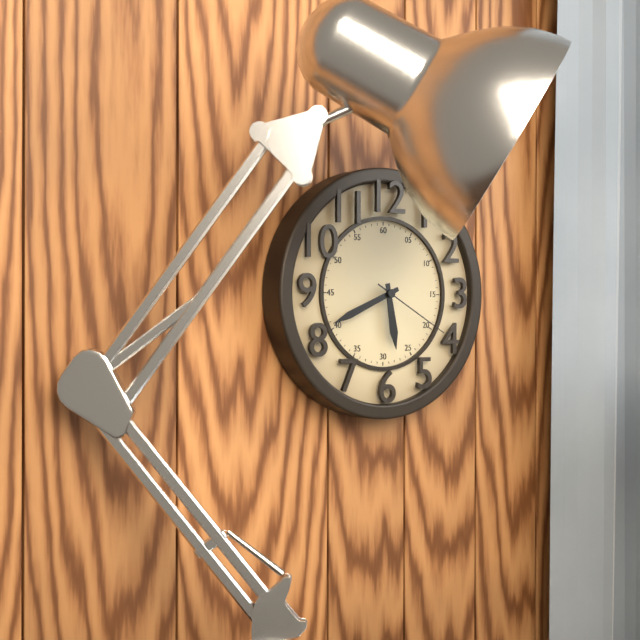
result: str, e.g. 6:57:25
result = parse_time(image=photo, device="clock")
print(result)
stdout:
5:41:20
